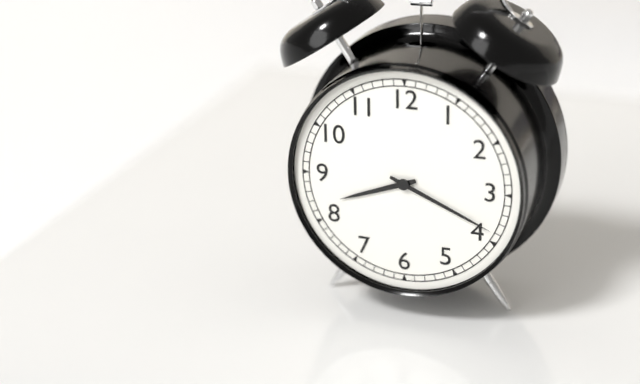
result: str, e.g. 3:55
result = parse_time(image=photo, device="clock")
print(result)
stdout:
8:19
